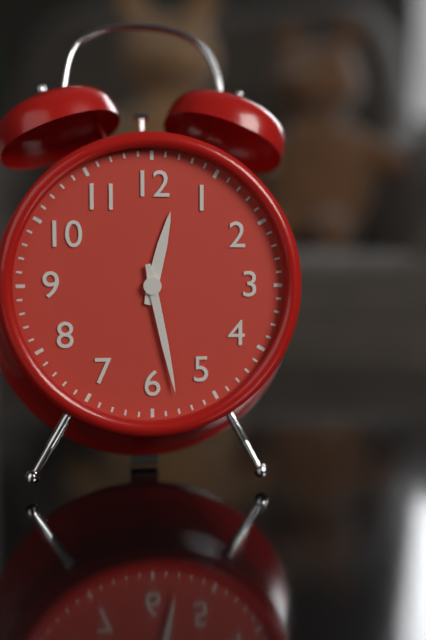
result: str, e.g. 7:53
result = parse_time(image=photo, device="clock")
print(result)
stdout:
12:28
